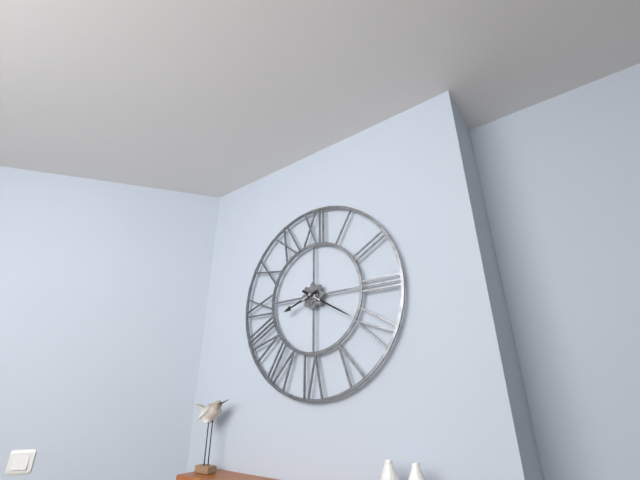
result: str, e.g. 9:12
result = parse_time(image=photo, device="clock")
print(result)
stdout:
8:20
